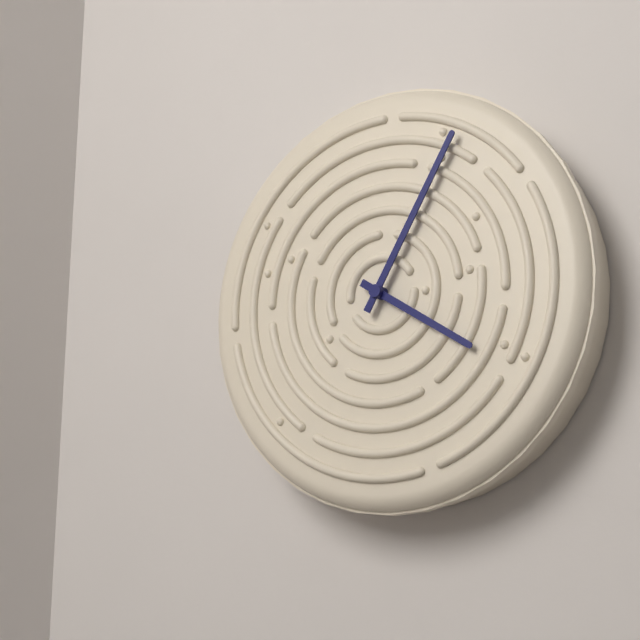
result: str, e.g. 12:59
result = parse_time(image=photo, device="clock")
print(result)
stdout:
4:05
